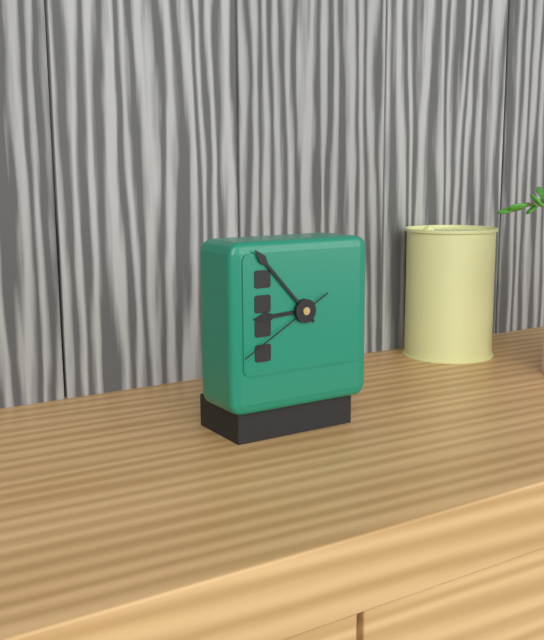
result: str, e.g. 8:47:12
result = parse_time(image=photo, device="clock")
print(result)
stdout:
8:53:40
